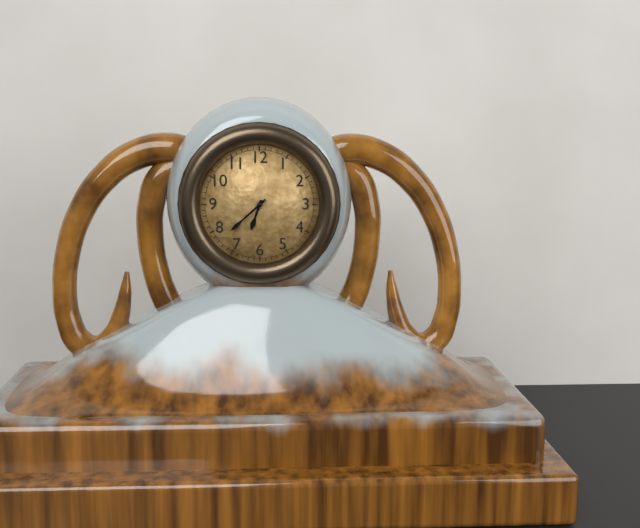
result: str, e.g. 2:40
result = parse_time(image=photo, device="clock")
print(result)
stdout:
6:38
